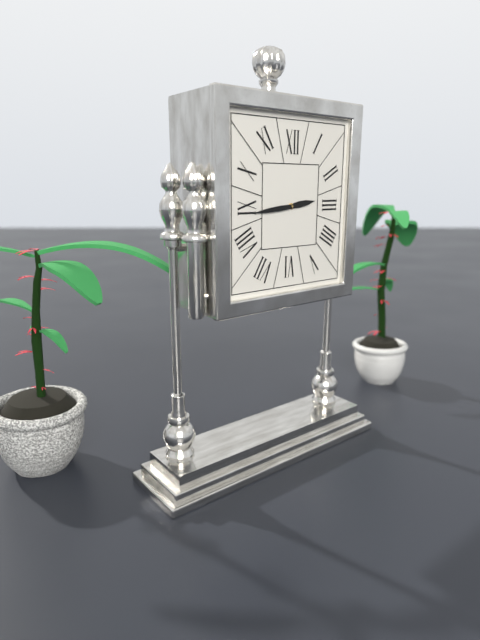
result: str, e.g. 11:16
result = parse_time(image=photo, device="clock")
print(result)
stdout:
2:44
